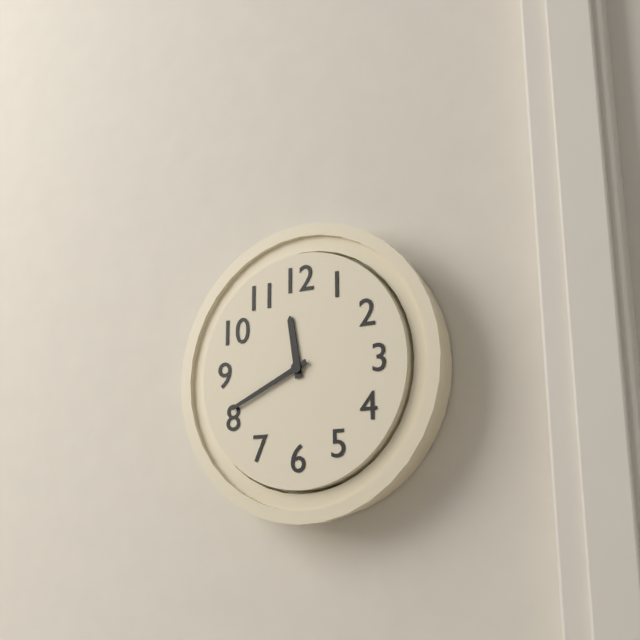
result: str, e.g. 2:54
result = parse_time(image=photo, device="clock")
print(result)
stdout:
11:41
